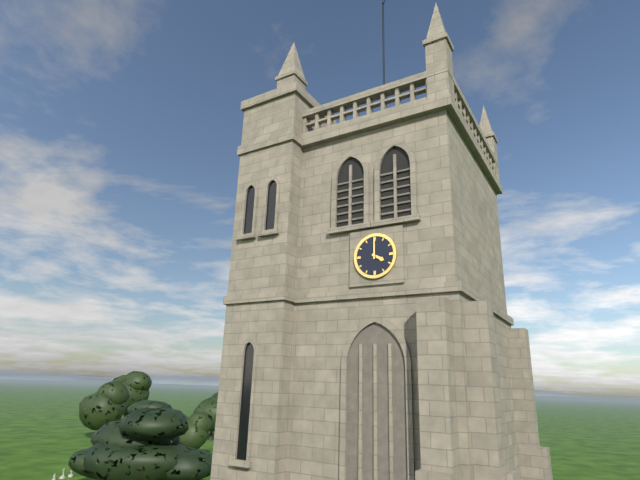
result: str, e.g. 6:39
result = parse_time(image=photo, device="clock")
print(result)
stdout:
4:00
